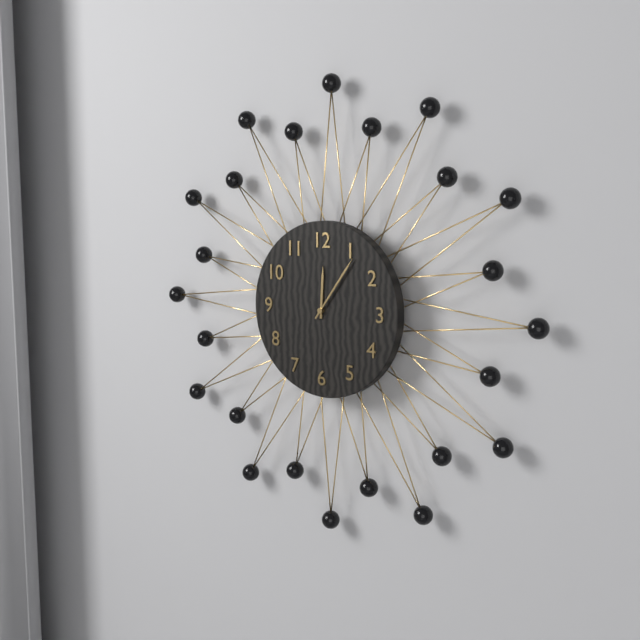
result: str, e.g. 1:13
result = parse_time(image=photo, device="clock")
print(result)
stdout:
12:06
